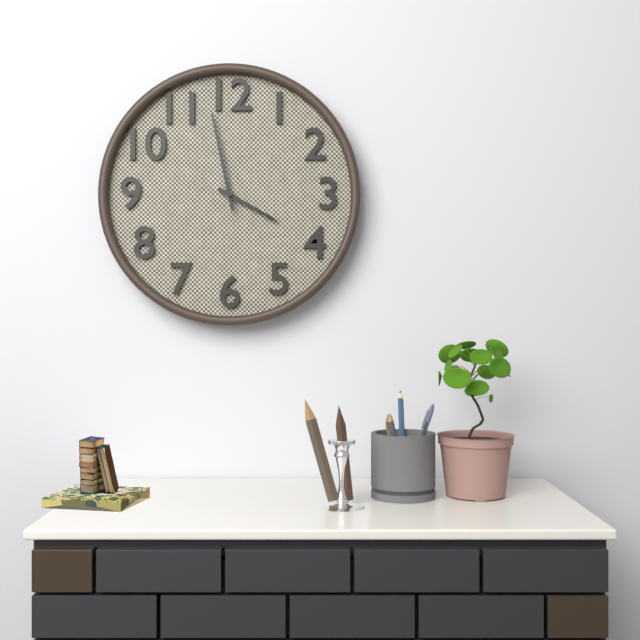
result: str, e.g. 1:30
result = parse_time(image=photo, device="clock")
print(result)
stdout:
3:58
